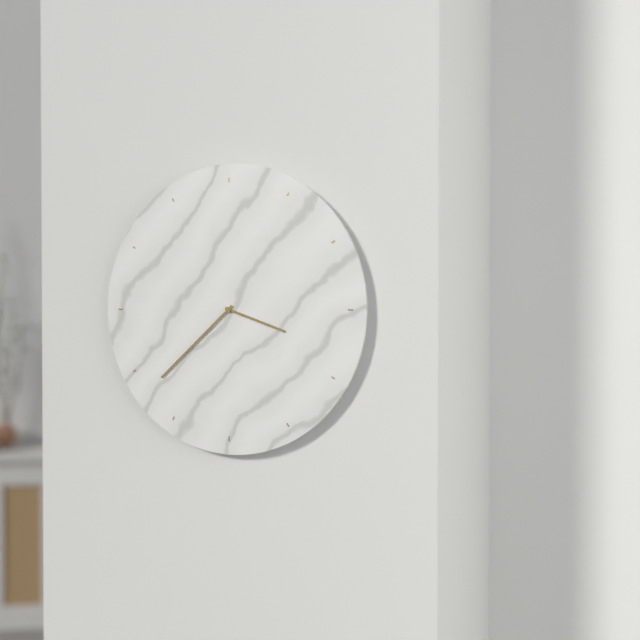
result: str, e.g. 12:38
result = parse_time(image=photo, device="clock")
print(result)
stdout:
3:38
